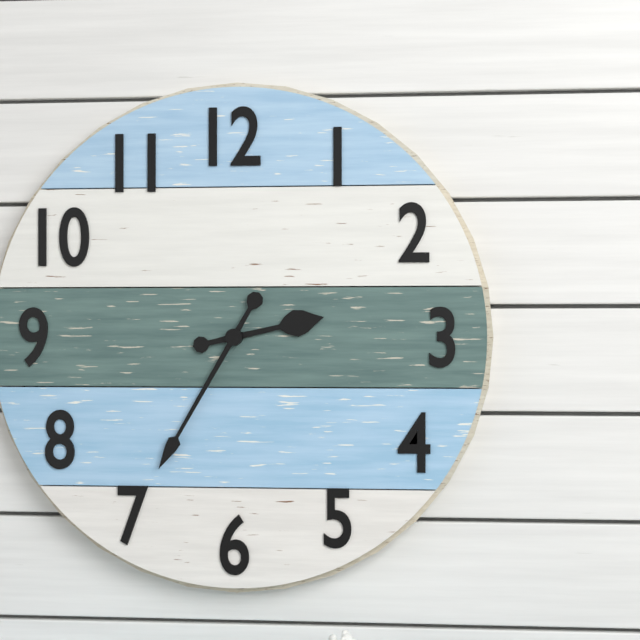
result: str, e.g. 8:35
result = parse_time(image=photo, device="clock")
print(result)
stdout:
2:35
